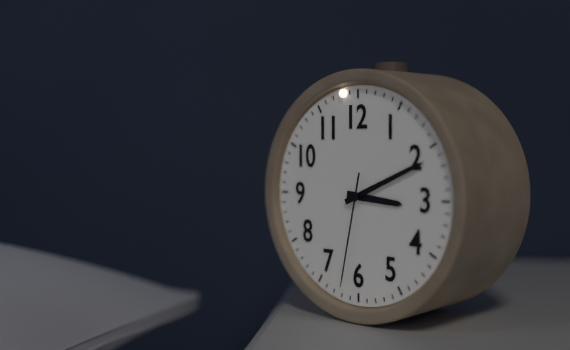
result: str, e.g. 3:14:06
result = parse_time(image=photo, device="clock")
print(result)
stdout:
3:11:32
